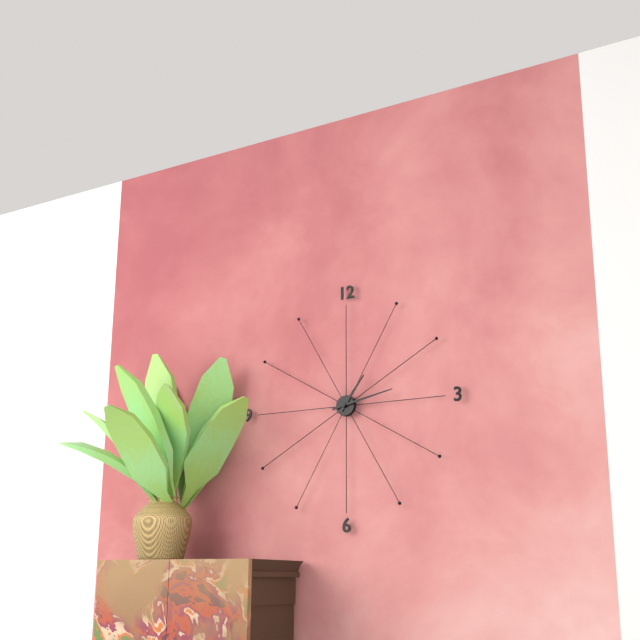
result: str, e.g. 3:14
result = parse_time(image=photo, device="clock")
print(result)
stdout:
1:13
